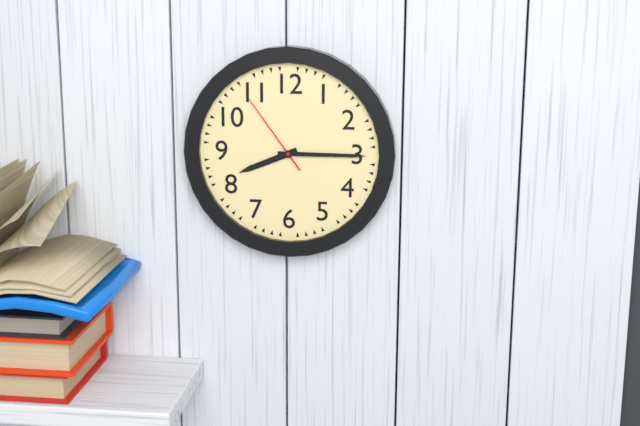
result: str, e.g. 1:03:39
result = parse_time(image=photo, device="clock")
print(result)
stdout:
8:15:54
